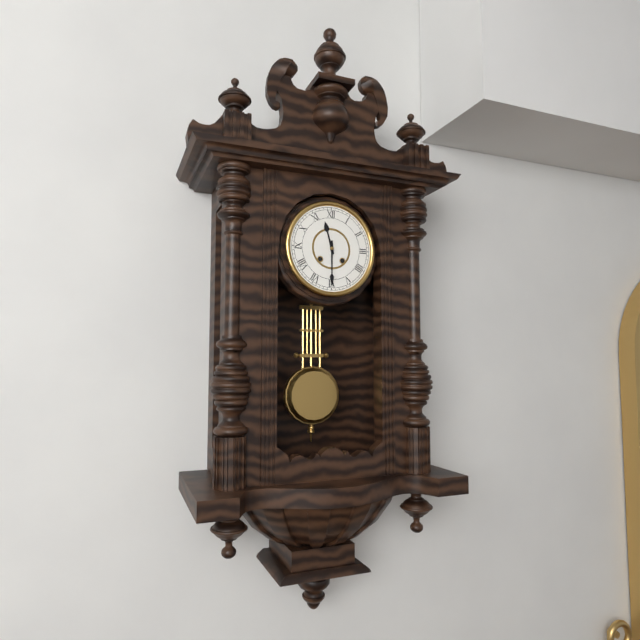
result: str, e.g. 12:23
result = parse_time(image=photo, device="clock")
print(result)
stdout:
11:30
